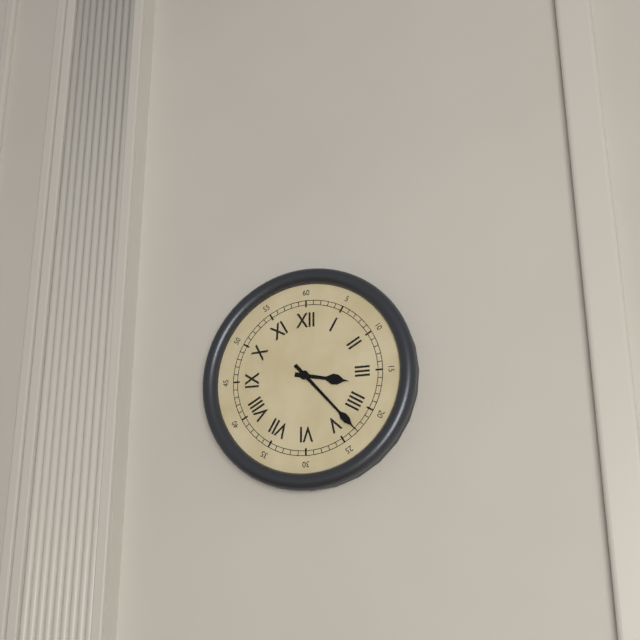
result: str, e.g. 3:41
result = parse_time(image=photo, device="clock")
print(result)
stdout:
3:23
